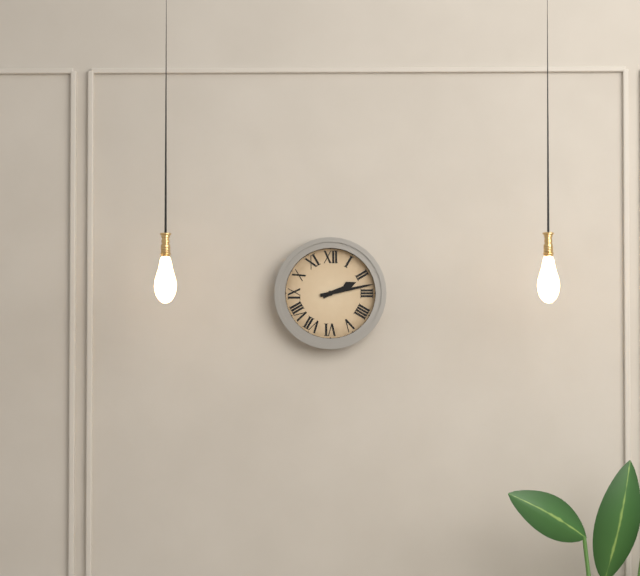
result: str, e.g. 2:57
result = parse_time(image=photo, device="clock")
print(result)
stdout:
2:13
